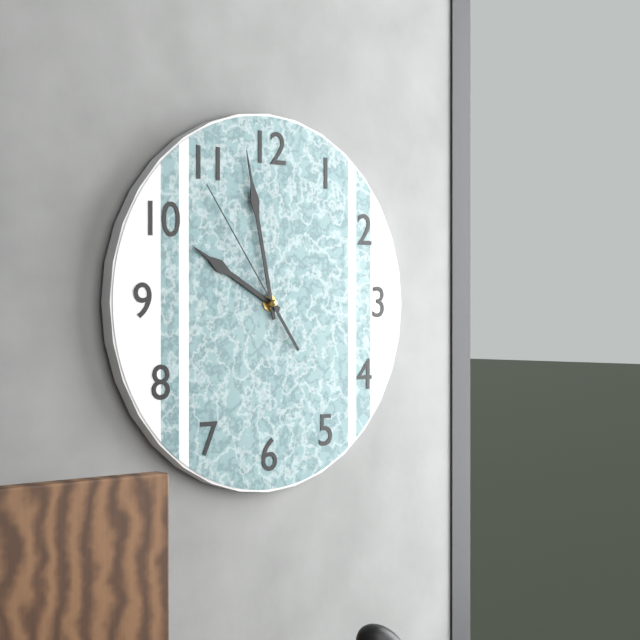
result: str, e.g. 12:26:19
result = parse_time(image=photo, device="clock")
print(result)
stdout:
9:58:54
